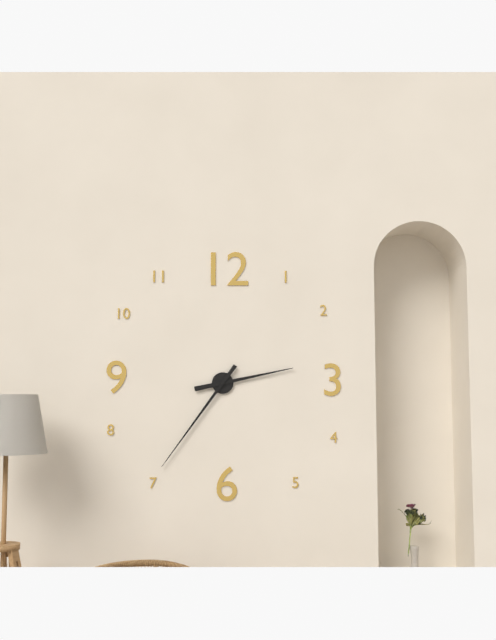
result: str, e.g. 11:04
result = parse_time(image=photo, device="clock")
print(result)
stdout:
2:36
